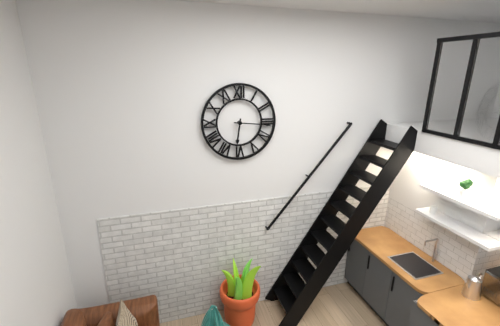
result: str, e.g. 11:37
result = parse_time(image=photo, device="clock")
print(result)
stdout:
6:16
